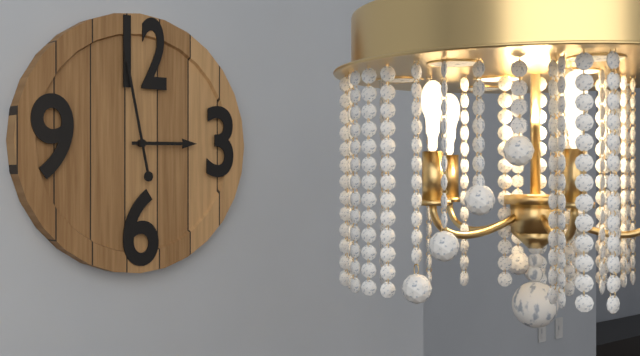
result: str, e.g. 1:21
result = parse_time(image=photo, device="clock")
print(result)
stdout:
2:58
